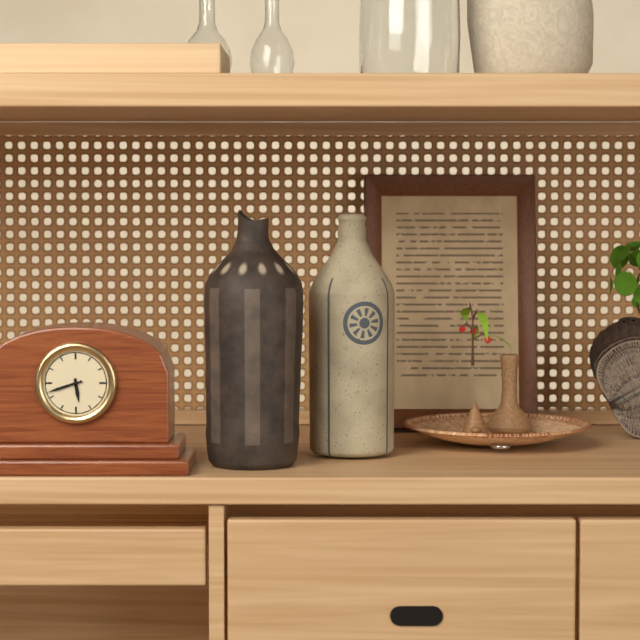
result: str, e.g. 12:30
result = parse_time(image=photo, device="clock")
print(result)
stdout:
5:42
